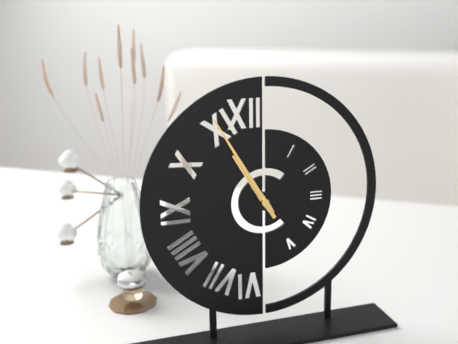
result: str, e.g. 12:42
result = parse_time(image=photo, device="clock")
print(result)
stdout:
10:55
